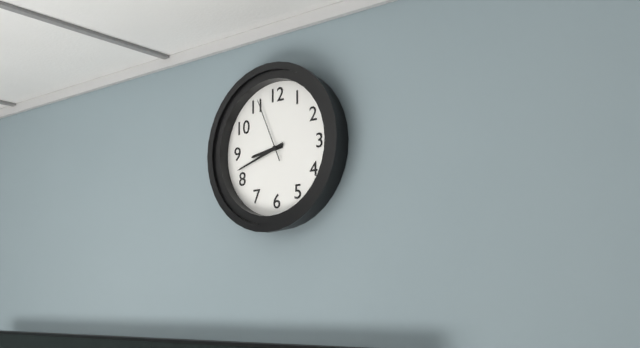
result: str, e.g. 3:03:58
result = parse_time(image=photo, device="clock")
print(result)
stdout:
8:42:56
